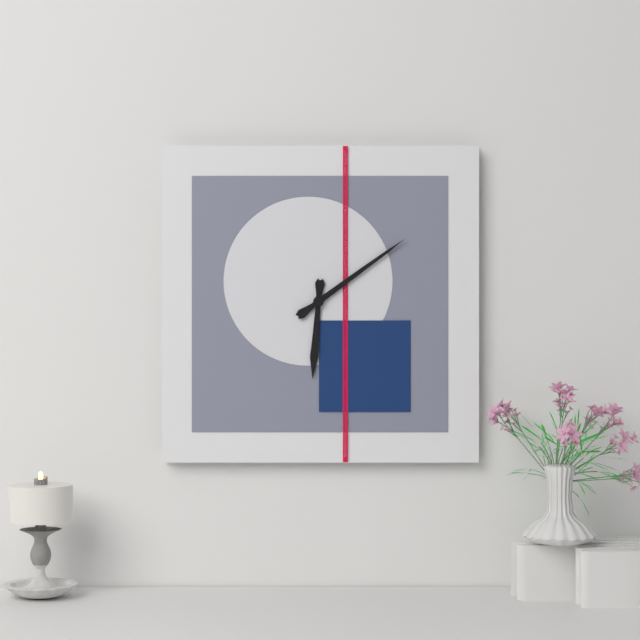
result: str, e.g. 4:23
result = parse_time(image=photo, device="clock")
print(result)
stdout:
6:09
